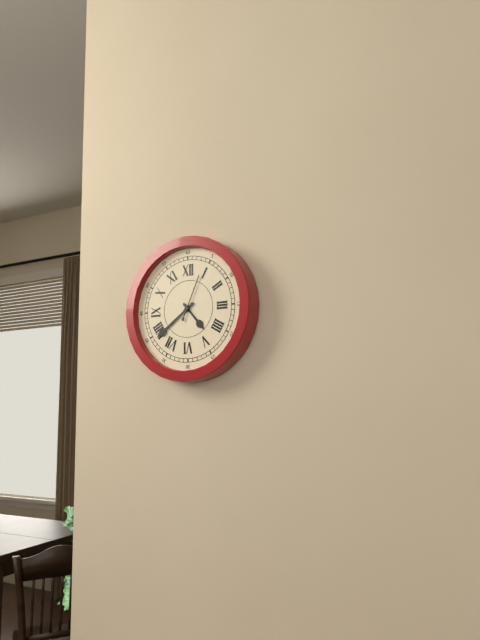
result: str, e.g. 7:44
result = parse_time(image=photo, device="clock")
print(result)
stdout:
4:39
